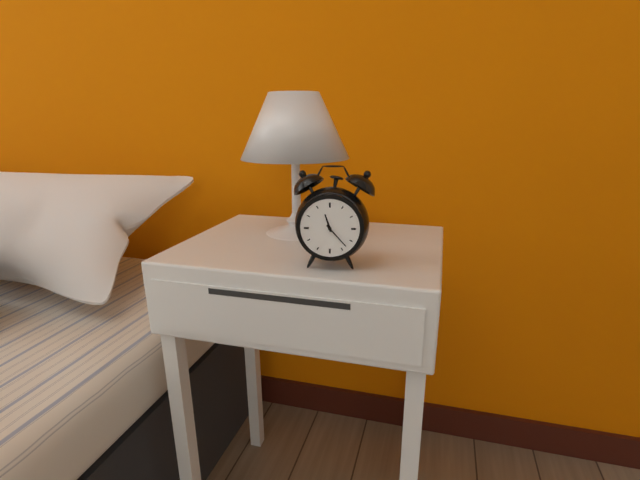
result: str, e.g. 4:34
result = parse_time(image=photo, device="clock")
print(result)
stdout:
11:23
